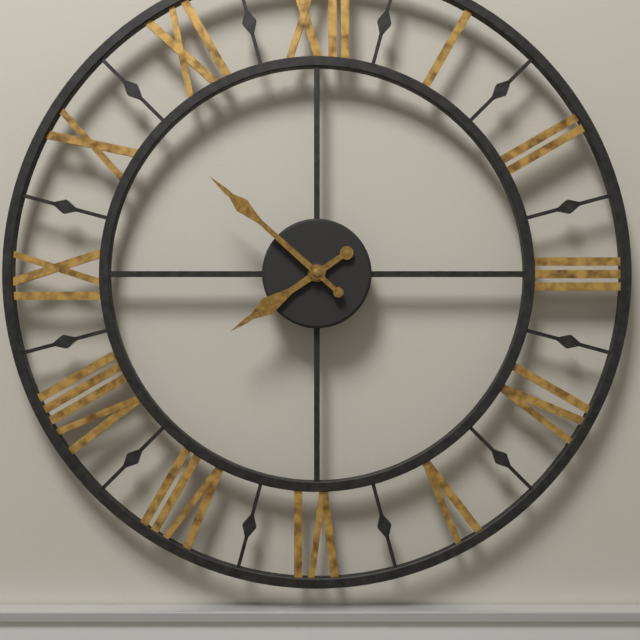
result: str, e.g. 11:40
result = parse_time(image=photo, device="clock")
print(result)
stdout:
7:52
